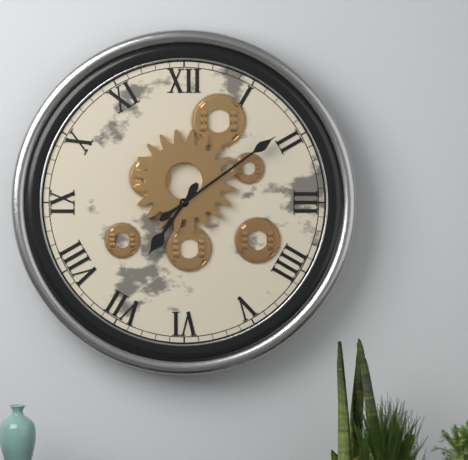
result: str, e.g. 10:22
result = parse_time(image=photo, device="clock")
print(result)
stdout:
7:09
